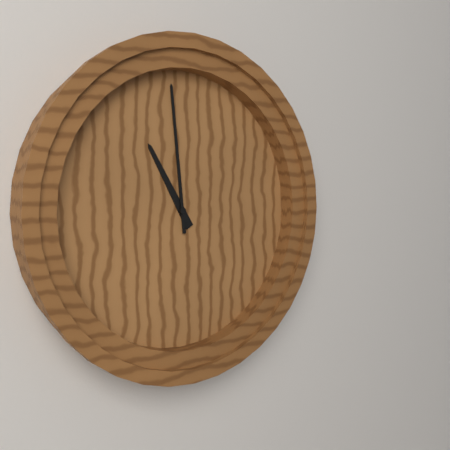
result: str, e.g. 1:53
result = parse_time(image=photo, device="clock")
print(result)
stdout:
10:59
